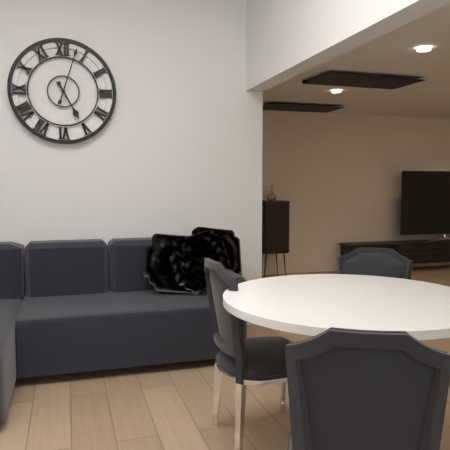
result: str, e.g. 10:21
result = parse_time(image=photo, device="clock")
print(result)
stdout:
5:03
